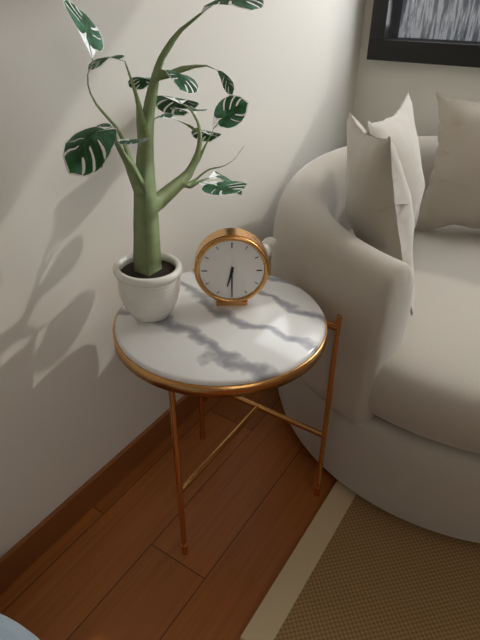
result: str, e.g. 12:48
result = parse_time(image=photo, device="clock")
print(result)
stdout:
6:30
